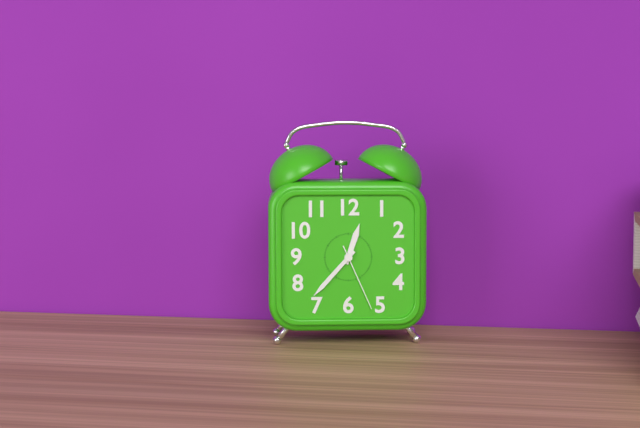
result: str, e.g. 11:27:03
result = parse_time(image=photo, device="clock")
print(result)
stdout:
12:37:26
